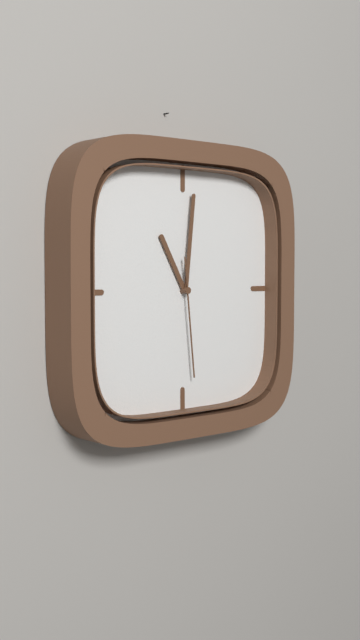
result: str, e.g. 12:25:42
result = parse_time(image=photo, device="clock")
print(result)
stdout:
11:01:29
